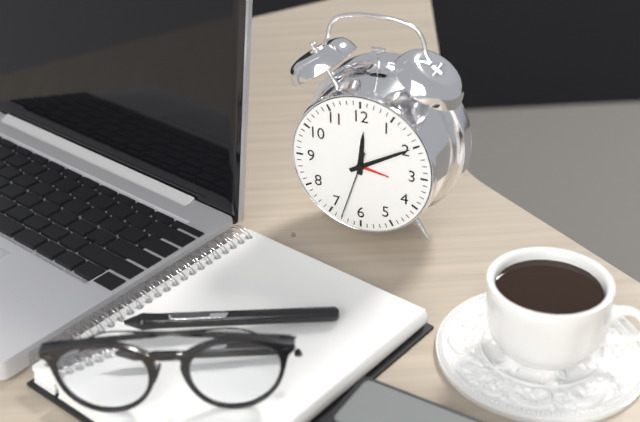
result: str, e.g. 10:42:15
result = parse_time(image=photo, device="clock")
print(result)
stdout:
12:10:33
